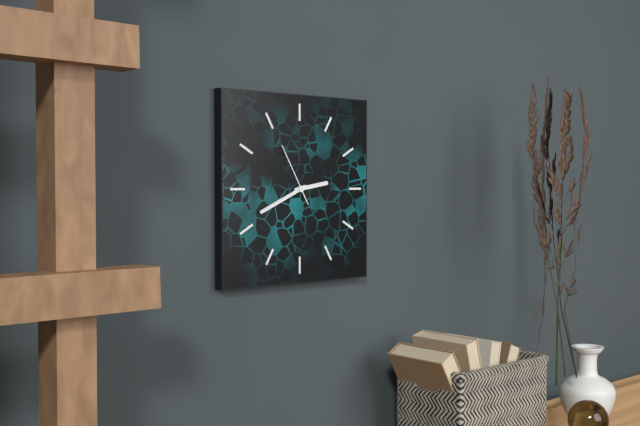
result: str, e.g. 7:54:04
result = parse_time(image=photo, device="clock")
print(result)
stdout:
2:41:55
